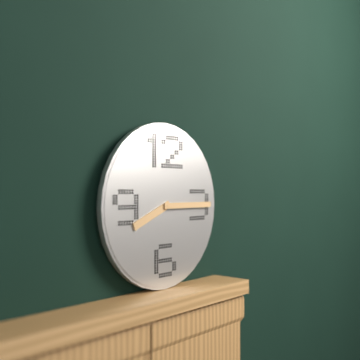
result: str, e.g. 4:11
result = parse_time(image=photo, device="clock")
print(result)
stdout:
8:15
